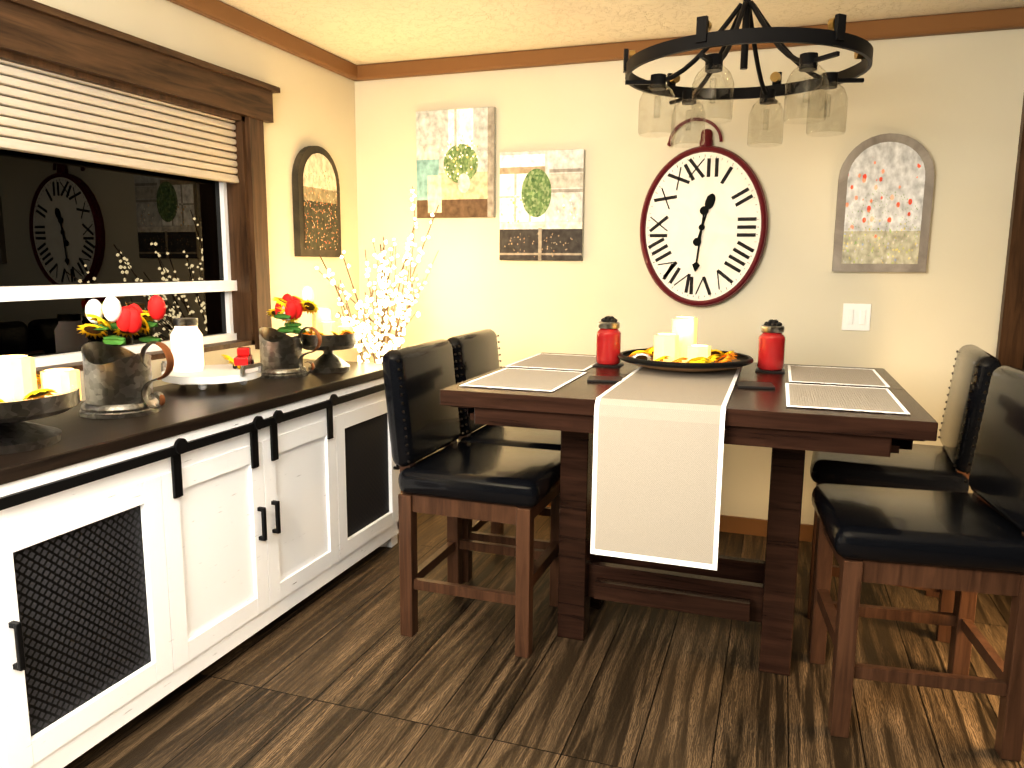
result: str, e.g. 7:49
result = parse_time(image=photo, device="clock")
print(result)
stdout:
12:31
